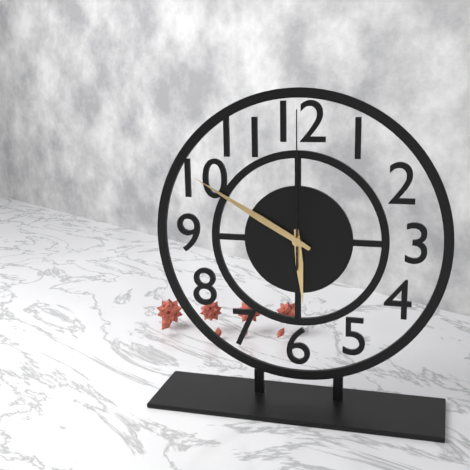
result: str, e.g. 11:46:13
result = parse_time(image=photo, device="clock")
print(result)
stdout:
5:50:00
